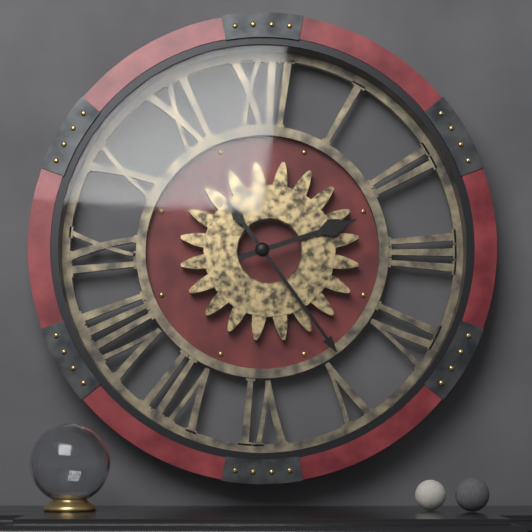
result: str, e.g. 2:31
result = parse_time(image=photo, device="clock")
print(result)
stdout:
2:24
